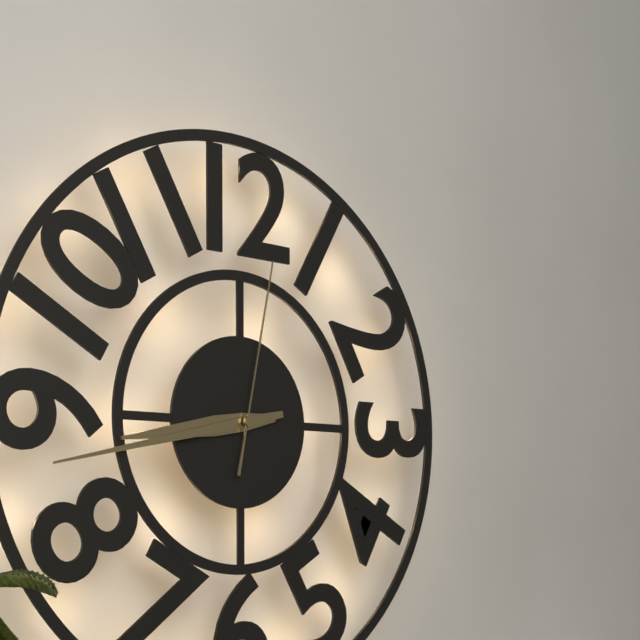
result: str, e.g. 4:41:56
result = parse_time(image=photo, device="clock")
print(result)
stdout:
8:43:02
